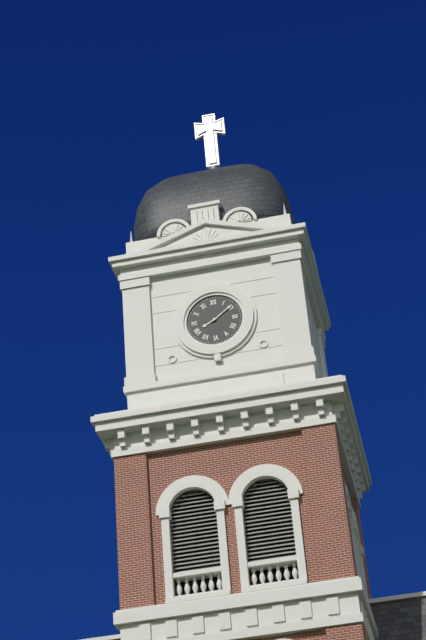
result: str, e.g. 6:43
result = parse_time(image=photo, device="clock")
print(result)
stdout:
8:09
